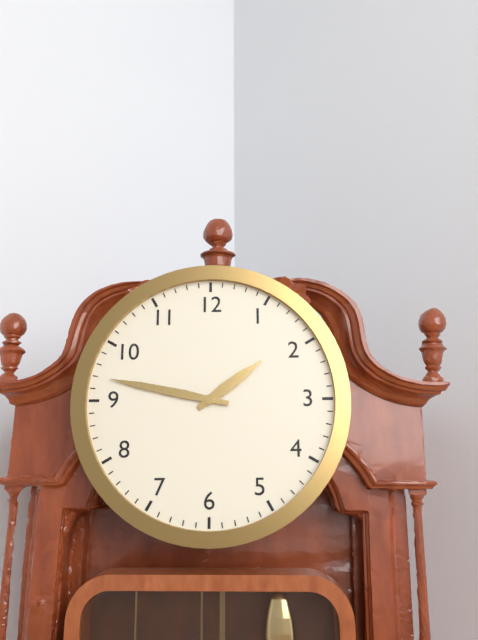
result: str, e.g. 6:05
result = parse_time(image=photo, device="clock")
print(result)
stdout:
1:47
